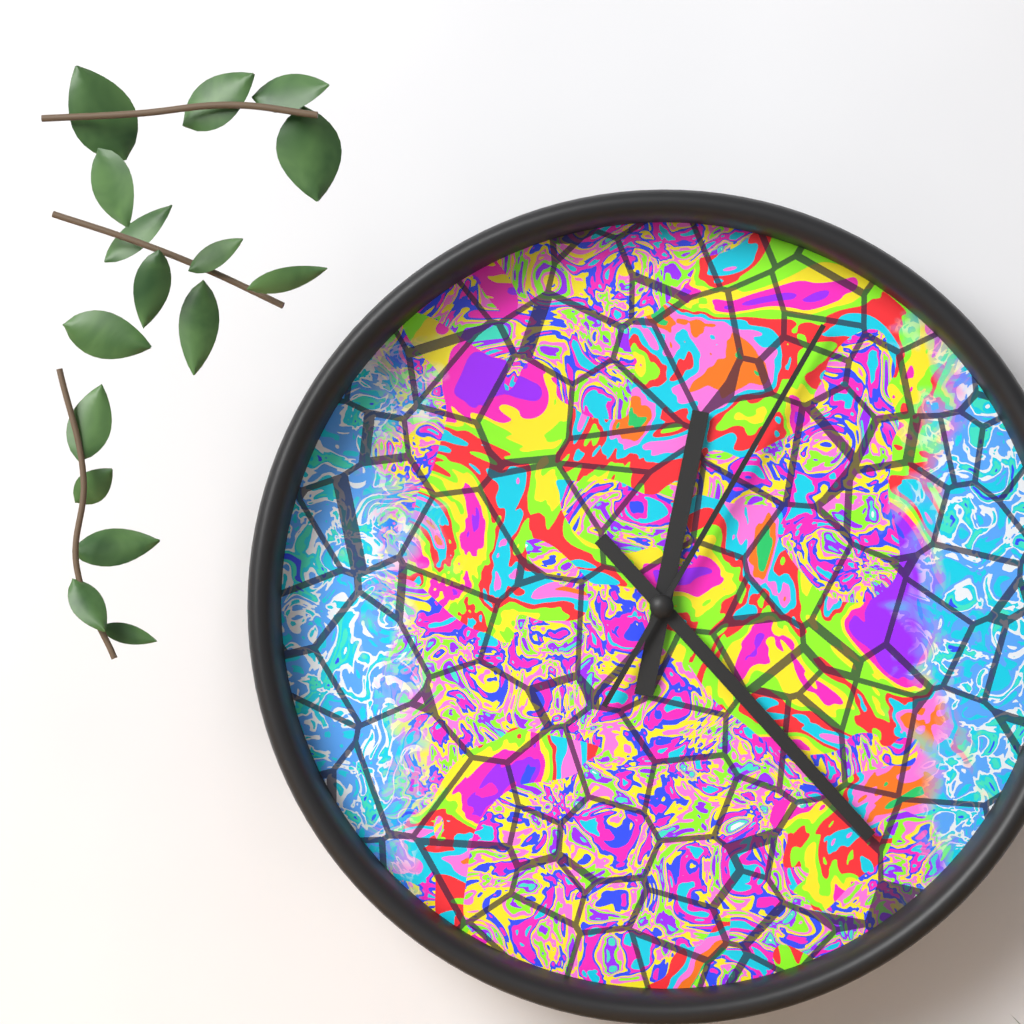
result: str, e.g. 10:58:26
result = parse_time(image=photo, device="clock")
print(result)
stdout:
12:23:05
